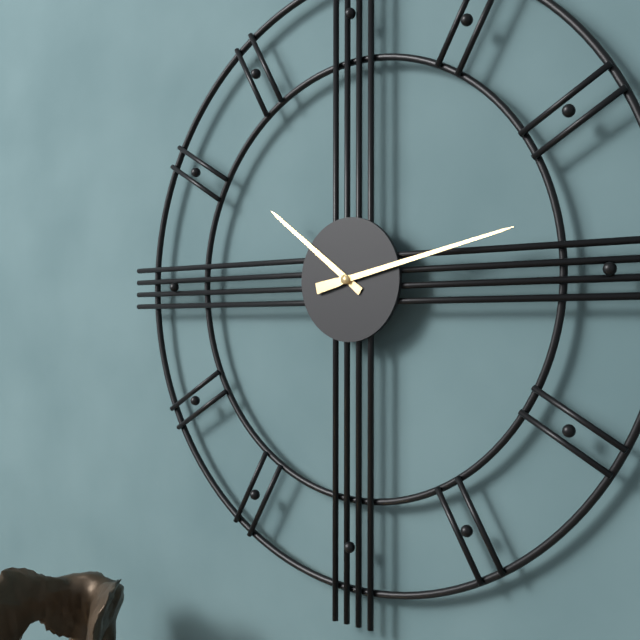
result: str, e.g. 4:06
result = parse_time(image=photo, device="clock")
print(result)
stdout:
10:13
